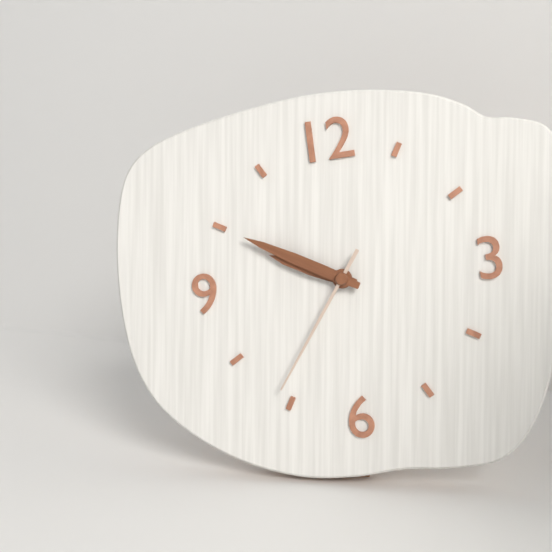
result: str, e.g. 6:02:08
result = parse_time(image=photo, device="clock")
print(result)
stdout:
9:50:36
